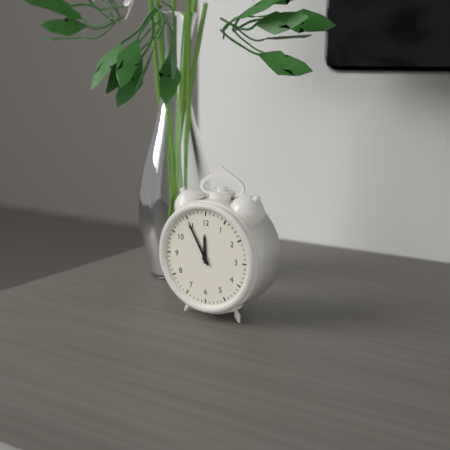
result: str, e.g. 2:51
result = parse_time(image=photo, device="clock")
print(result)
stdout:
11:55
